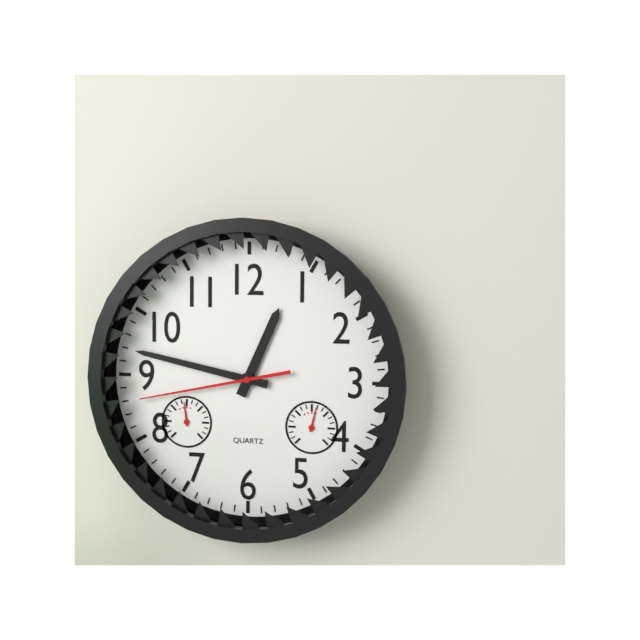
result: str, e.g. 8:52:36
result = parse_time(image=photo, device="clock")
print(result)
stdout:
12:47:43
